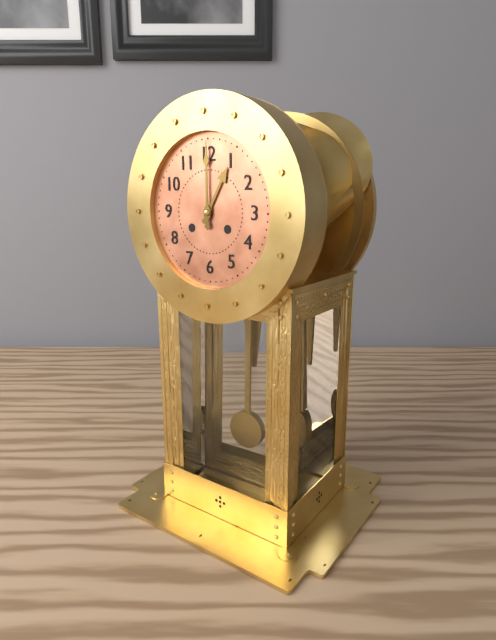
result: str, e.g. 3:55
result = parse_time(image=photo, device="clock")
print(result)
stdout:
1:00
